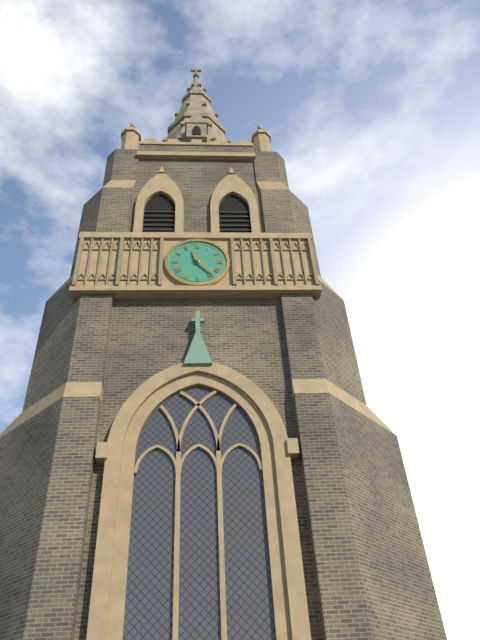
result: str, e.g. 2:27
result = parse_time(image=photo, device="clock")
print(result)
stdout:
11:23
